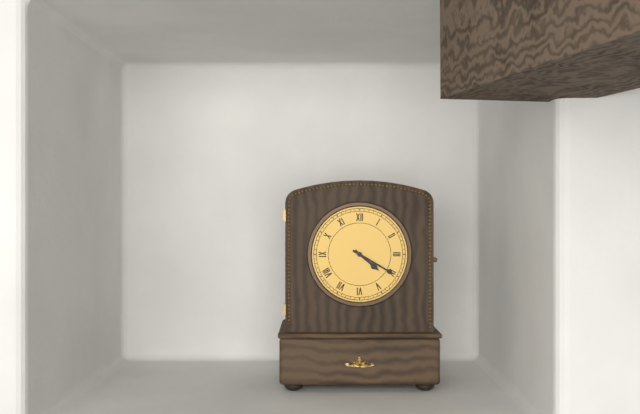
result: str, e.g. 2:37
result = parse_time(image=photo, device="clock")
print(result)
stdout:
4:20
